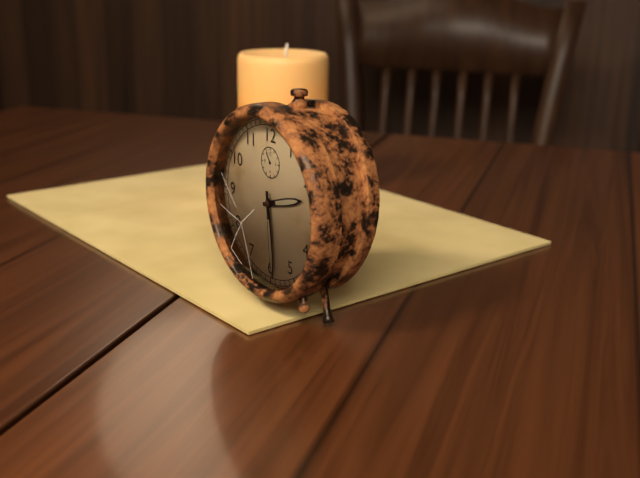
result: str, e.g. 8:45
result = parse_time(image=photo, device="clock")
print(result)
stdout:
2:29
